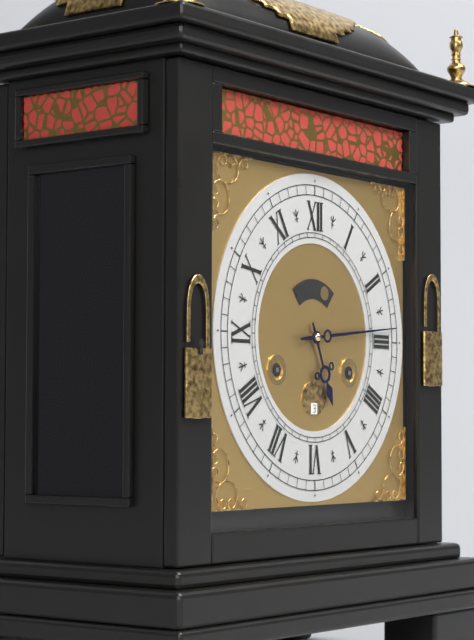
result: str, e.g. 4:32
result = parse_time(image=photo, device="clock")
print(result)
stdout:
5:14
